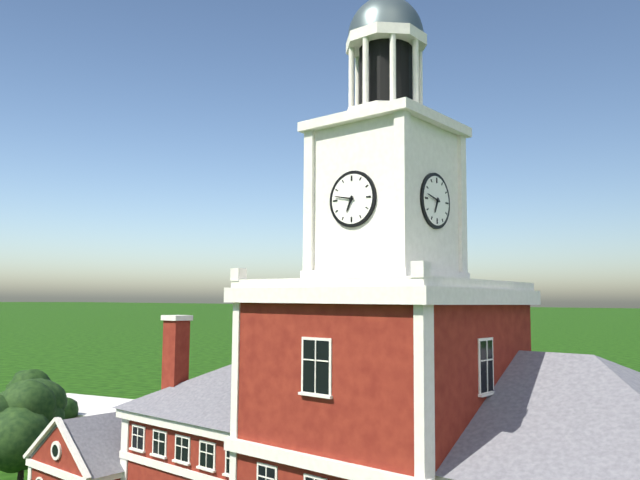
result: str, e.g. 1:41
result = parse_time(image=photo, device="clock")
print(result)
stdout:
6:47
